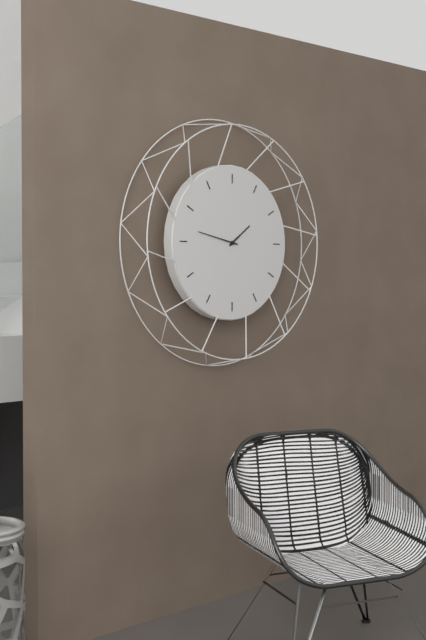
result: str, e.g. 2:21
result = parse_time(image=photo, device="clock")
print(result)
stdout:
1:47
